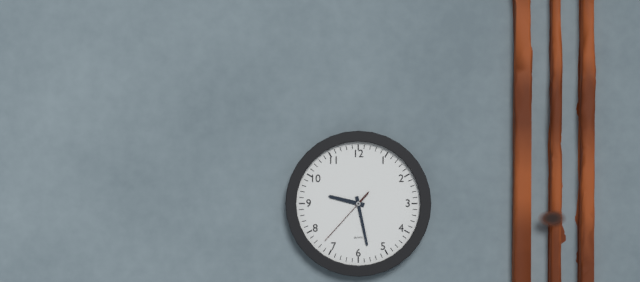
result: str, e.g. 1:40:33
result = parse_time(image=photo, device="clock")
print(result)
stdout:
9:28:37
